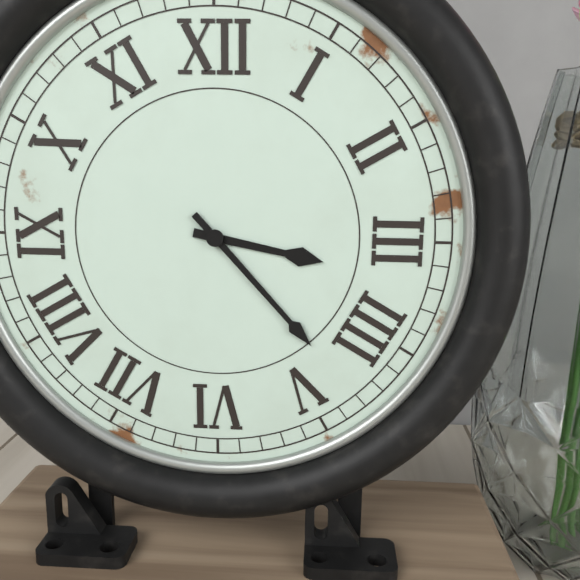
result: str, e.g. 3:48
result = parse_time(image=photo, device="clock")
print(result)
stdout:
3:23
